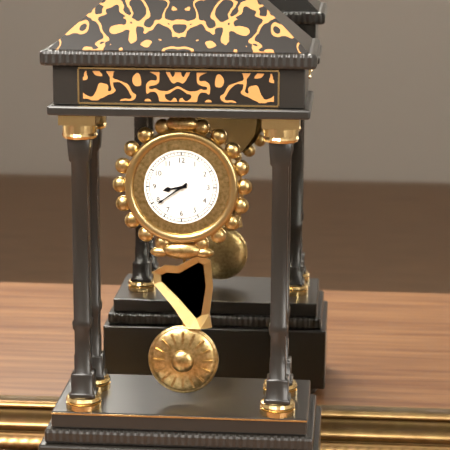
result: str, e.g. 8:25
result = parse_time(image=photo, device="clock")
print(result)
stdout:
8:39
